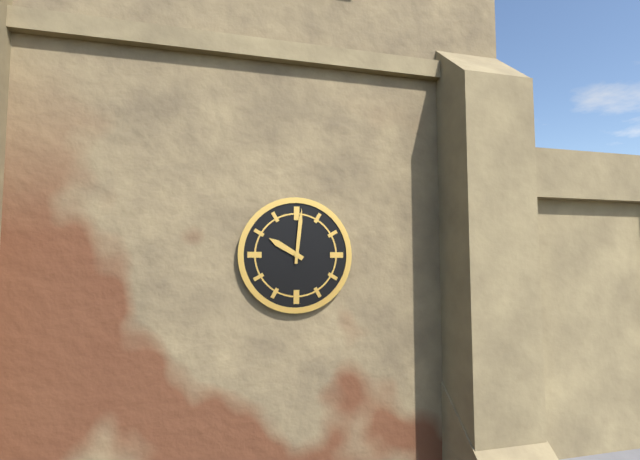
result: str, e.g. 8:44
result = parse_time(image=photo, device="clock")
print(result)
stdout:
10:01
